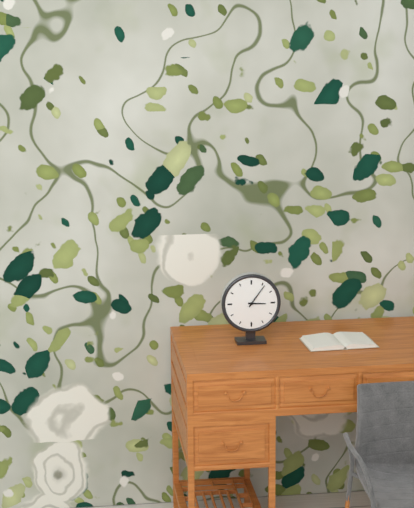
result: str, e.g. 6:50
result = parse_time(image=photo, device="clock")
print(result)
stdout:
3:06
